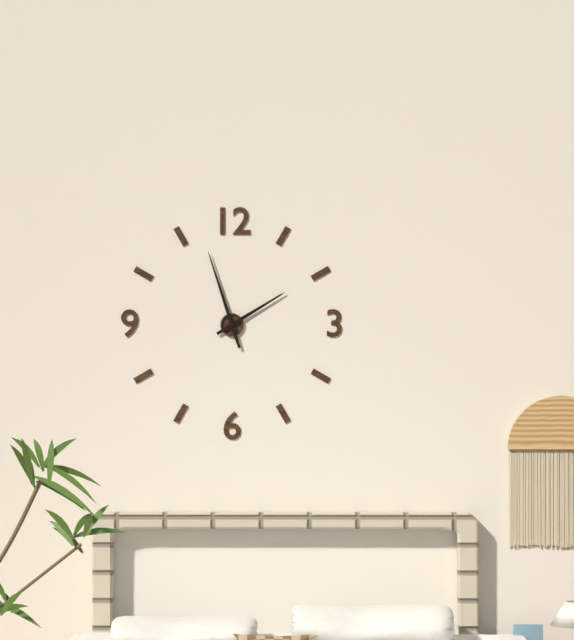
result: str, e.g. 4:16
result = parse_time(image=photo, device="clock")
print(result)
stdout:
1:57
